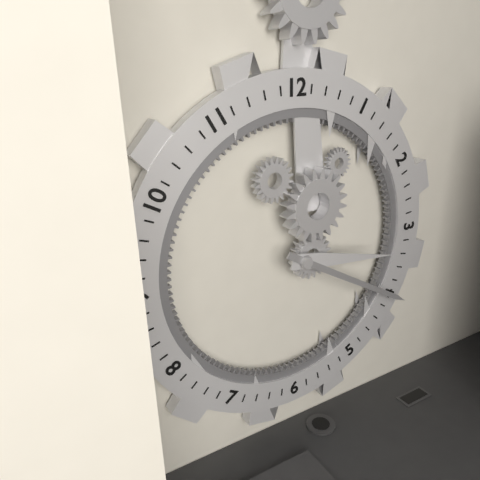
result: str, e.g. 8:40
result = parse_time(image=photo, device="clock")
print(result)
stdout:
3:20
